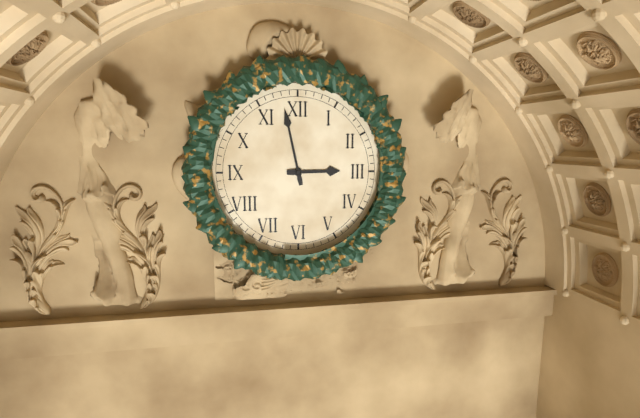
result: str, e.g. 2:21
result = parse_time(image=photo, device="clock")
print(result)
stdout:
2:58
